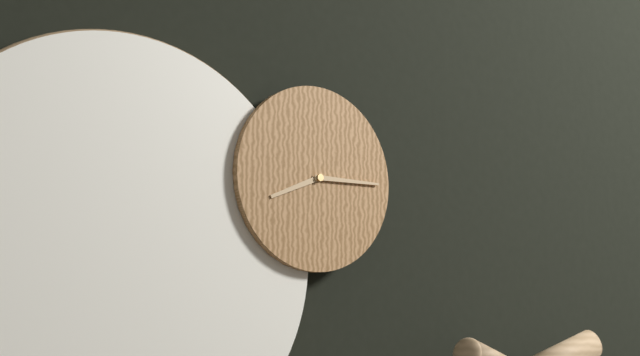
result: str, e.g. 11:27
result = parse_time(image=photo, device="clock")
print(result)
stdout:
8:15
